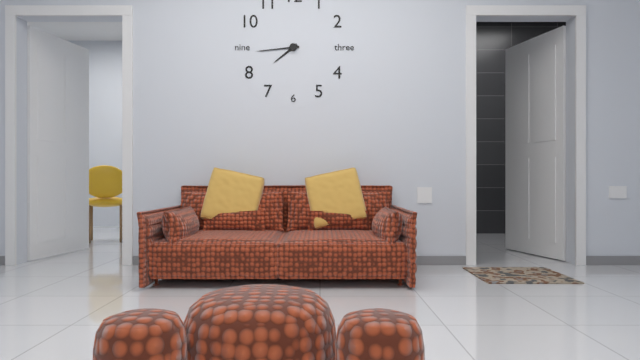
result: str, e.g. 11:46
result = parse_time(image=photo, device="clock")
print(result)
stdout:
7:44
